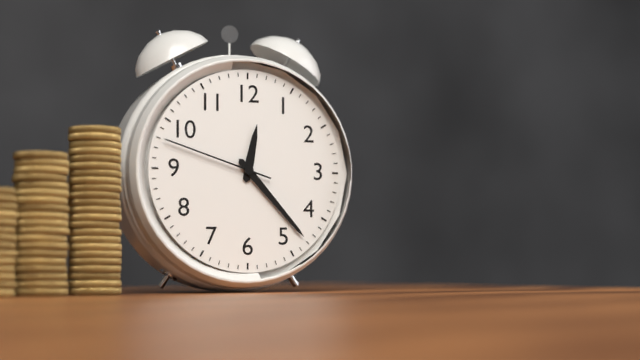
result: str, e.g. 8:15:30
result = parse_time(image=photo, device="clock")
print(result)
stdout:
12:23:48
